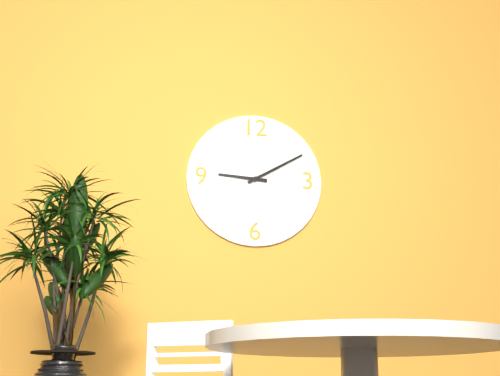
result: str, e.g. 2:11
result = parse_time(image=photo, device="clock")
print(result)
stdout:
9:10
